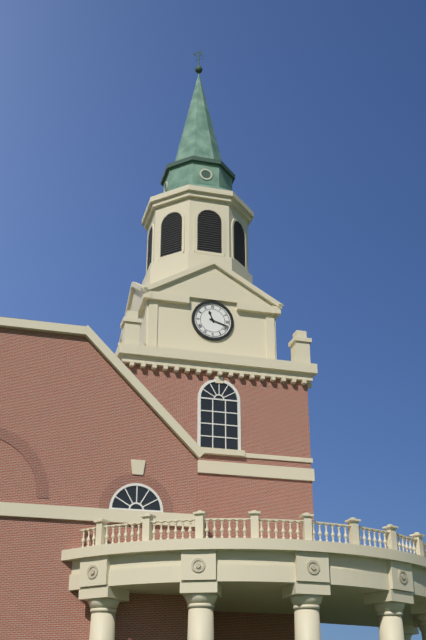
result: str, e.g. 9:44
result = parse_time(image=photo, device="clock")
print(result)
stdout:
11:18
